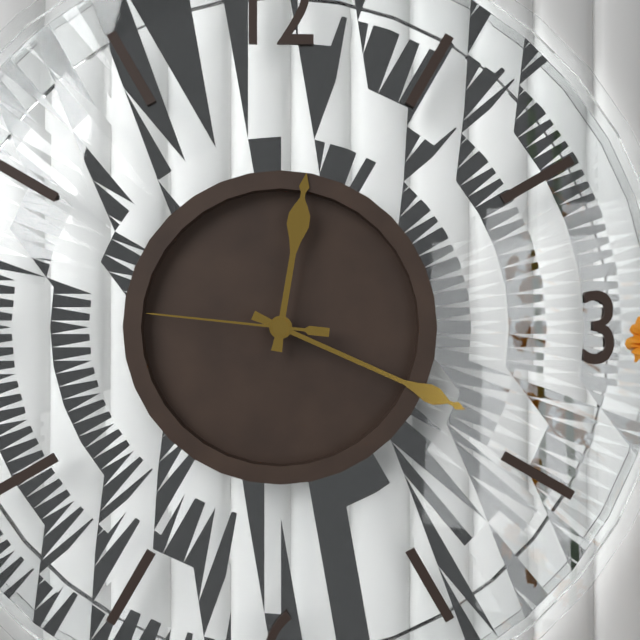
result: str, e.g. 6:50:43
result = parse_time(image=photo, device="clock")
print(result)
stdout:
12:19:46
